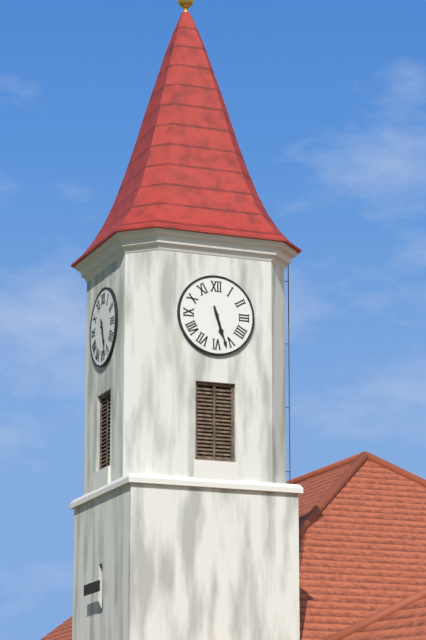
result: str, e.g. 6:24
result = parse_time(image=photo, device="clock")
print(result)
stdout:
5:27
